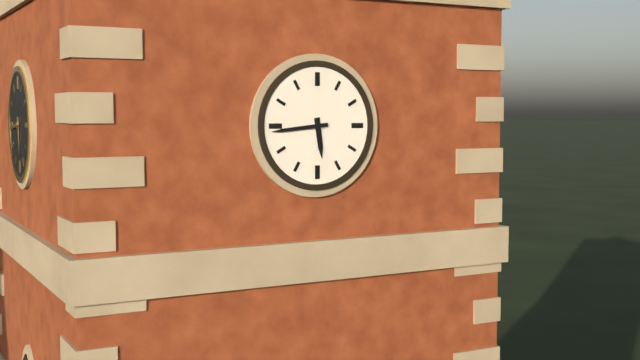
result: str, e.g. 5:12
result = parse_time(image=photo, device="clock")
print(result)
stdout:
5:44
